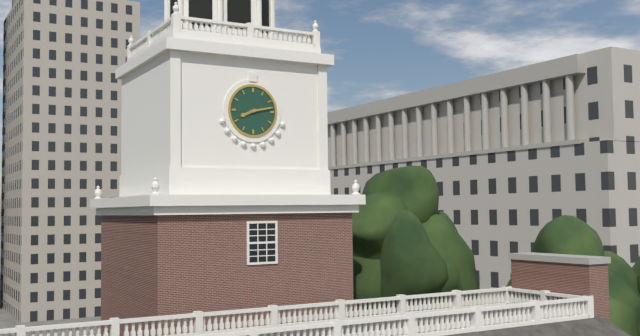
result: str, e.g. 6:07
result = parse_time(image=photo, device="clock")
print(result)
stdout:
8:13
